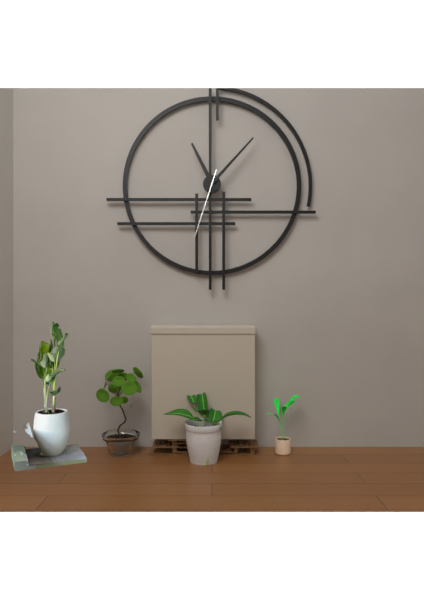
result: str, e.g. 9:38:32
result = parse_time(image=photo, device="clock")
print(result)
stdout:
11:07:33
